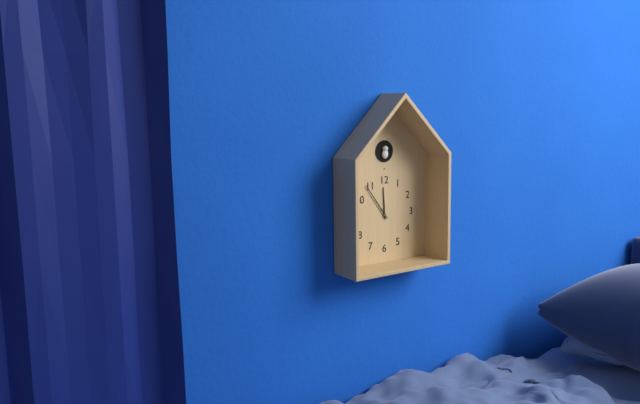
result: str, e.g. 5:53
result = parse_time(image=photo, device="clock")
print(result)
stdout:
11:54
